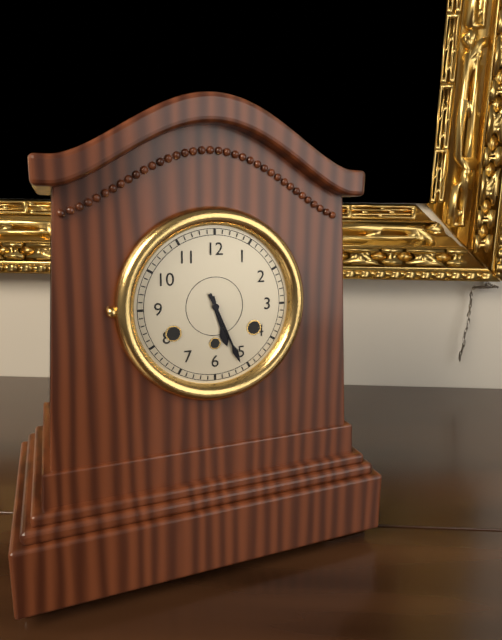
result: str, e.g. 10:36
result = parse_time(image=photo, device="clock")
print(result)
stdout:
5:26
